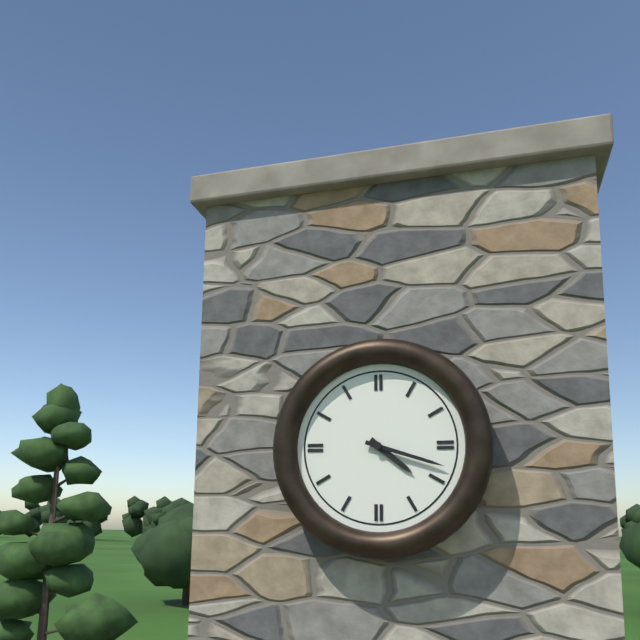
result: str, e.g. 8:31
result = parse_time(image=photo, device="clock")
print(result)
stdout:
4:18
